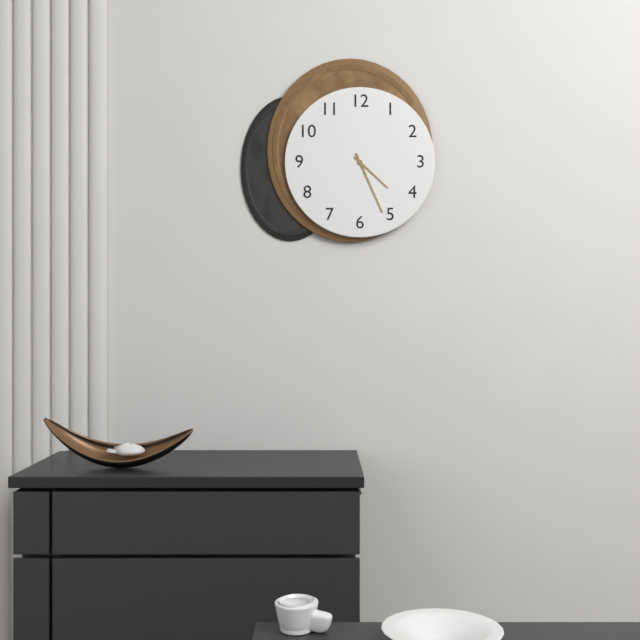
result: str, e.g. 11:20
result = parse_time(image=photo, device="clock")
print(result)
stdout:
4:26
